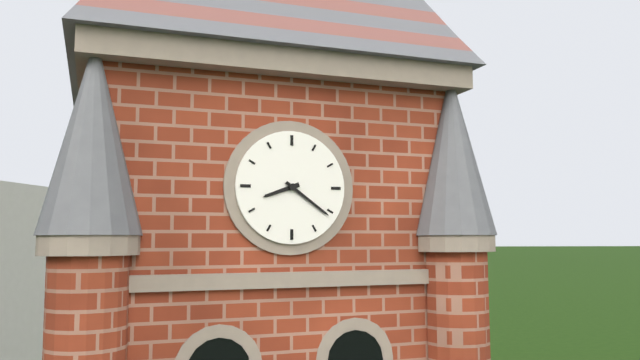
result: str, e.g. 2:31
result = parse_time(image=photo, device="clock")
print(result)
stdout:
8:21
